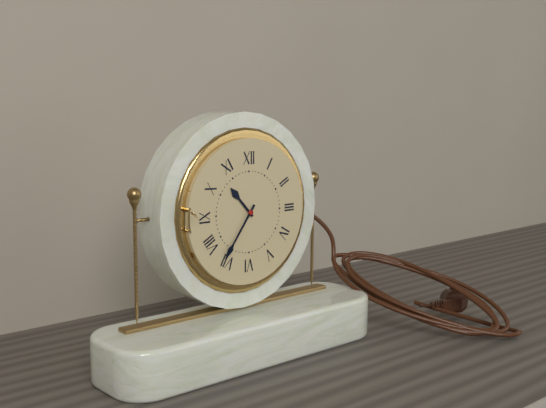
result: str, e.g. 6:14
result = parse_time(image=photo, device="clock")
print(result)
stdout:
10:36
